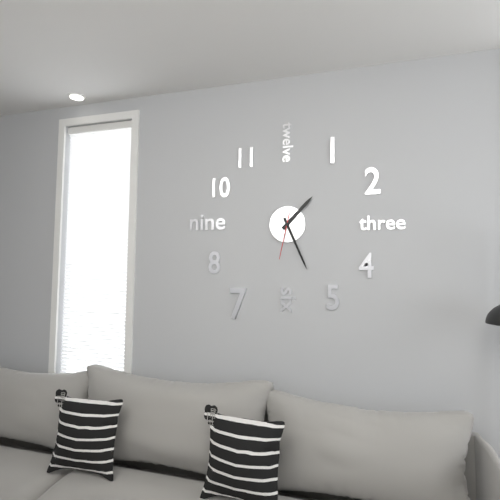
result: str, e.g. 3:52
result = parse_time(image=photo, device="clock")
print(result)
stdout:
1:26
